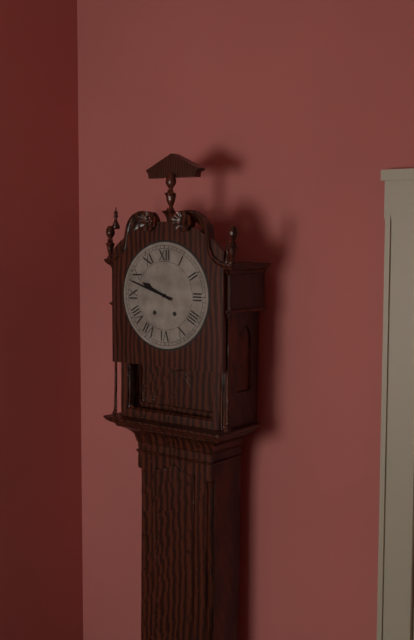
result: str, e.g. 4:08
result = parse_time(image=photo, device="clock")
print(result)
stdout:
9:48
